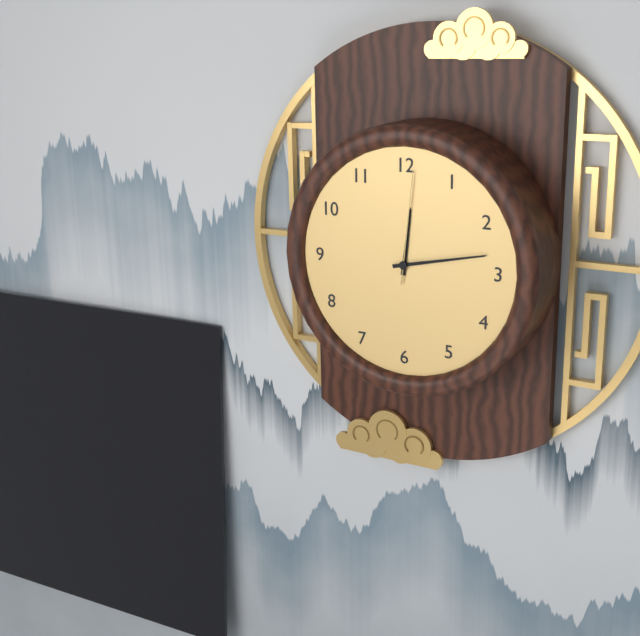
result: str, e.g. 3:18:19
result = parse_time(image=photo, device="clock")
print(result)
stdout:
12:13:01
